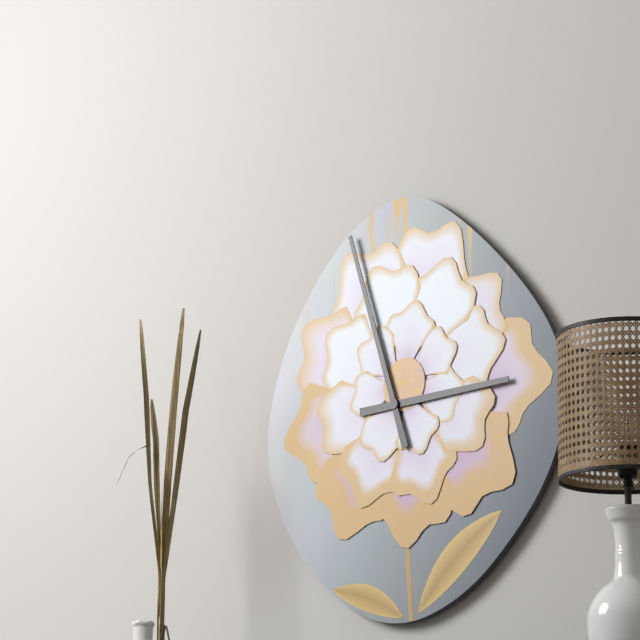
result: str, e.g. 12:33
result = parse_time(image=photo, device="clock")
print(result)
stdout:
2:57
